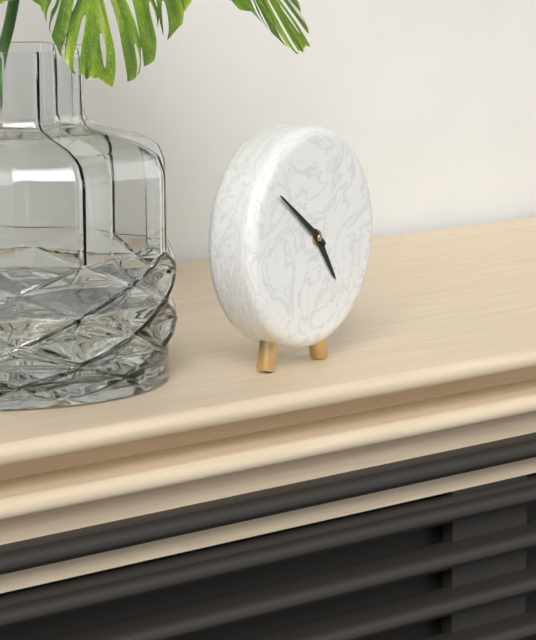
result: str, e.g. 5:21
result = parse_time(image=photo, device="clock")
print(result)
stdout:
4:51
